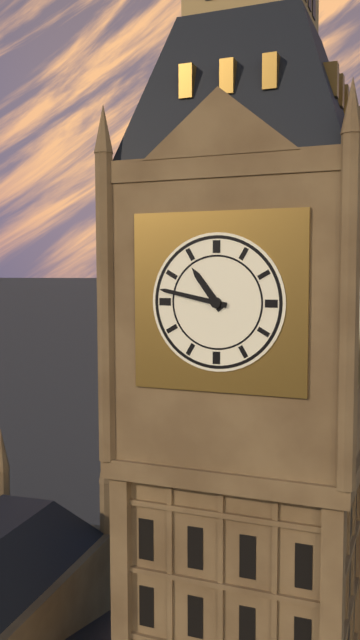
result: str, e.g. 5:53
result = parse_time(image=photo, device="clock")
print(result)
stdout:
10:47
